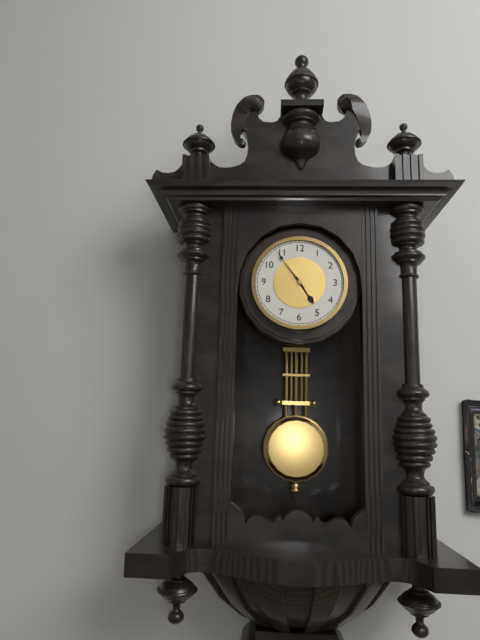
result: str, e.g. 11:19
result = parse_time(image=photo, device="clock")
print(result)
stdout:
4:54
